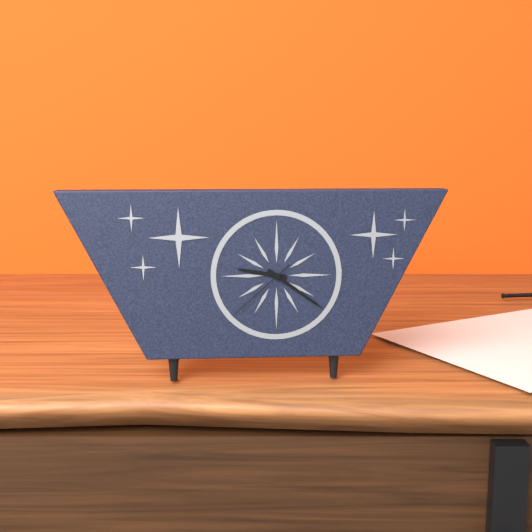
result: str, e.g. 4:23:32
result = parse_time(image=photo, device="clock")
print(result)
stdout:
9:21:38
